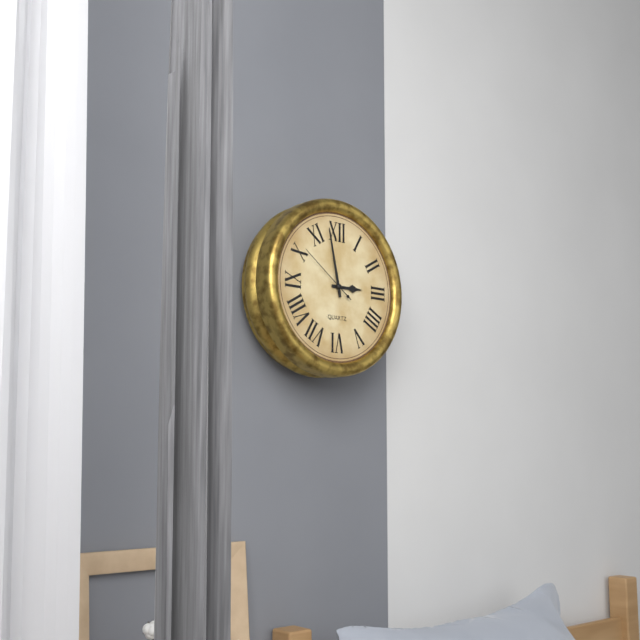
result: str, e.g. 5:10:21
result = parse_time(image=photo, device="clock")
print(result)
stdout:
2:58:51
